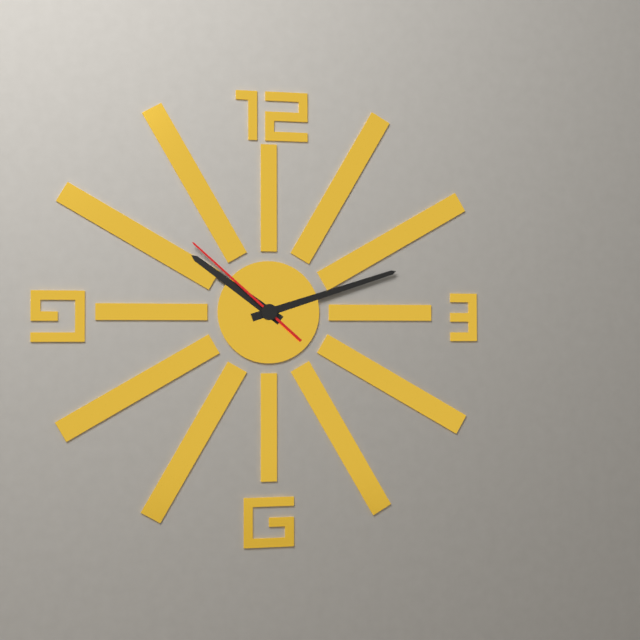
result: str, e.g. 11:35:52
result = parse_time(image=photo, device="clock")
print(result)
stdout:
10:12:52
